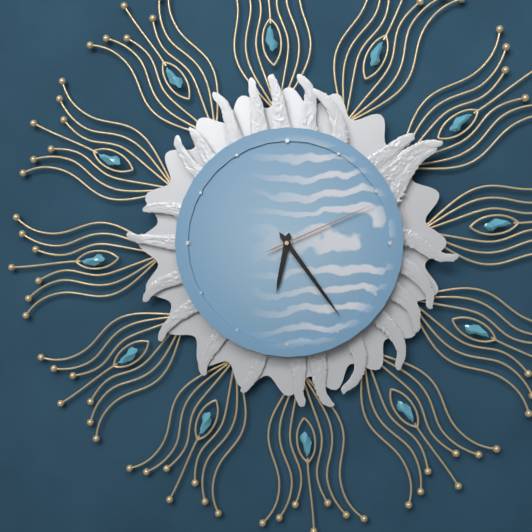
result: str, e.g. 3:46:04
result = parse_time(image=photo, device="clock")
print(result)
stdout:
6:24:11
